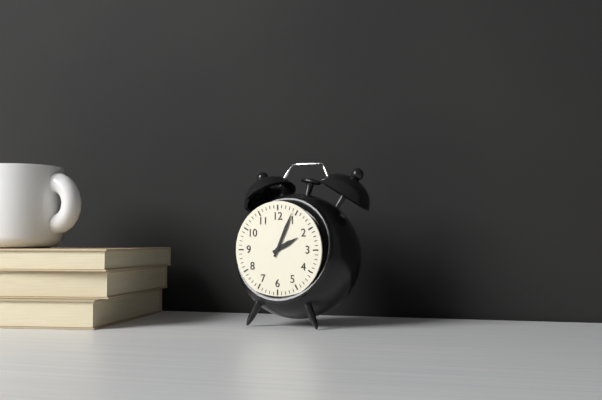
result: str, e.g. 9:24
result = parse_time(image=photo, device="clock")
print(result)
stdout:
2:04
